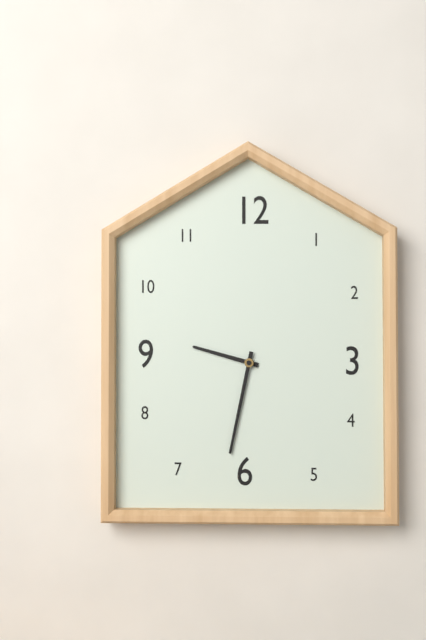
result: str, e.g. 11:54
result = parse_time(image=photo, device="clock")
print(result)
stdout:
9:32
